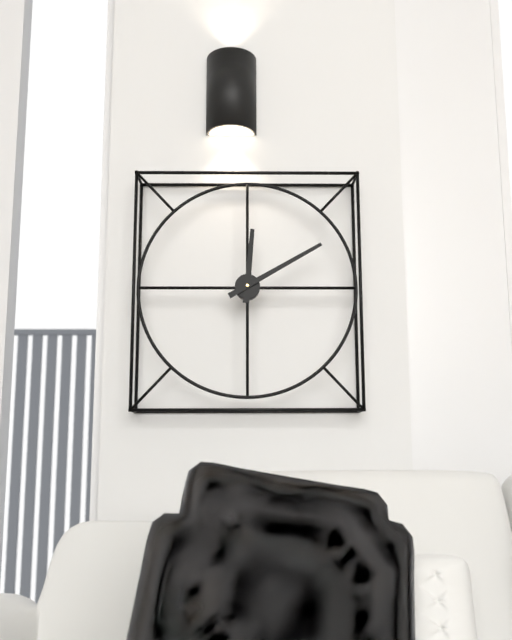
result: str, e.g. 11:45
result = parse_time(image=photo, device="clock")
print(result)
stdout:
12:10
